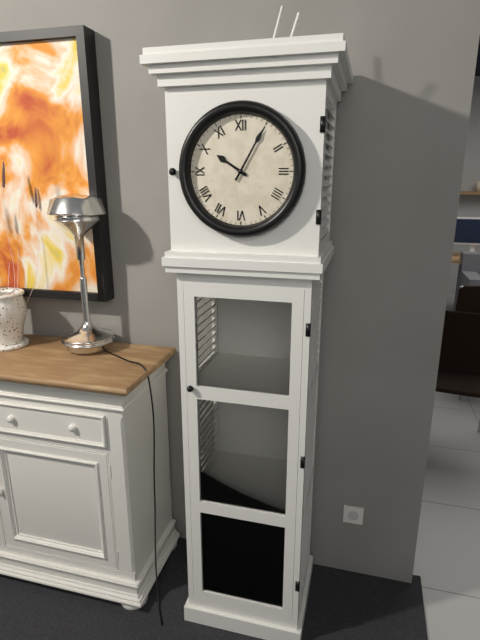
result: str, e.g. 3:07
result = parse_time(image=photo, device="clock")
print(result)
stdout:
10:05
